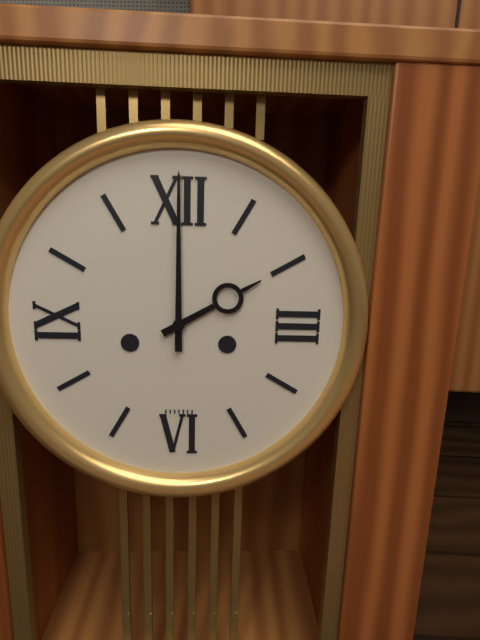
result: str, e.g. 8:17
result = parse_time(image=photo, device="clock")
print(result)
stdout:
2:00
